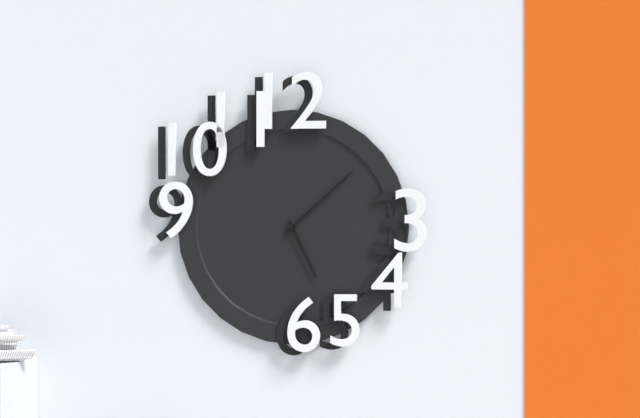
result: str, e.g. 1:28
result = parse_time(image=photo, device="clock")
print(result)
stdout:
5:08
